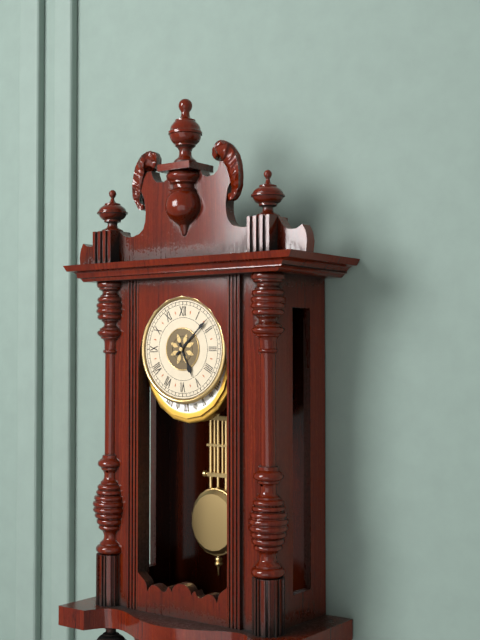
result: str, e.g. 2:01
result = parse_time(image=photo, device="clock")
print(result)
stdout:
5:08
